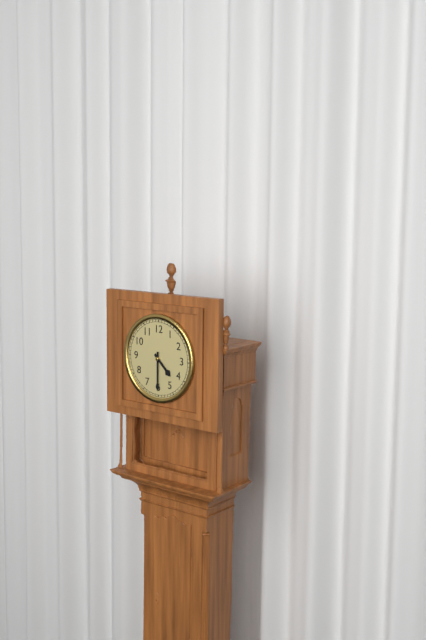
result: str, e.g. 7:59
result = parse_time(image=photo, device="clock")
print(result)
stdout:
4:30
